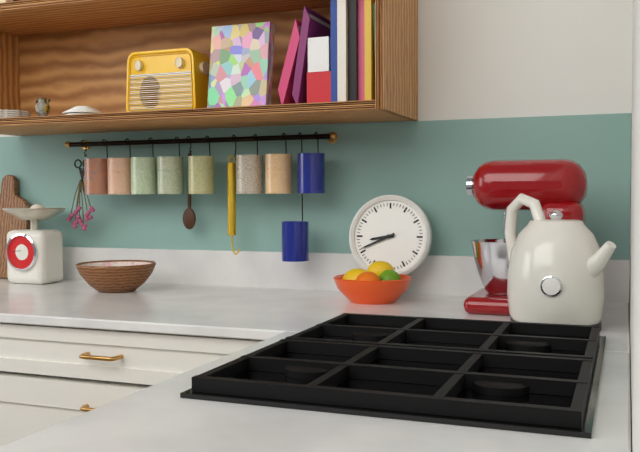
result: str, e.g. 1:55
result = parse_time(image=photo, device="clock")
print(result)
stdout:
8:41
